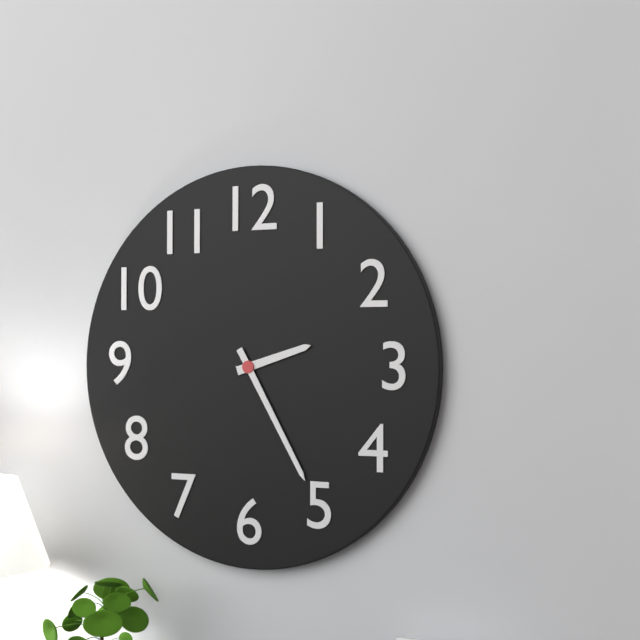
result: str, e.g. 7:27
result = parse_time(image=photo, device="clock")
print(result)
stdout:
2:25
